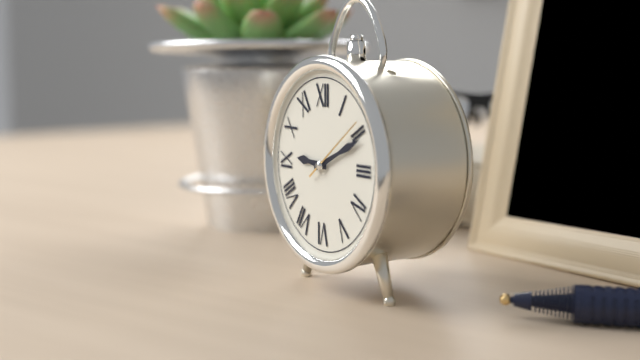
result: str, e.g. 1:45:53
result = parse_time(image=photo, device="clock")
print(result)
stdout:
9:11:09
